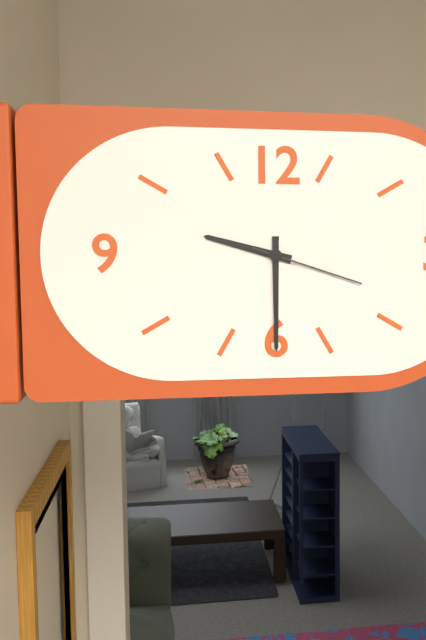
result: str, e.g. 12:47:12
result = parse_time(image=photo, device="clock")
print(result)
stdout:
9:30:18
